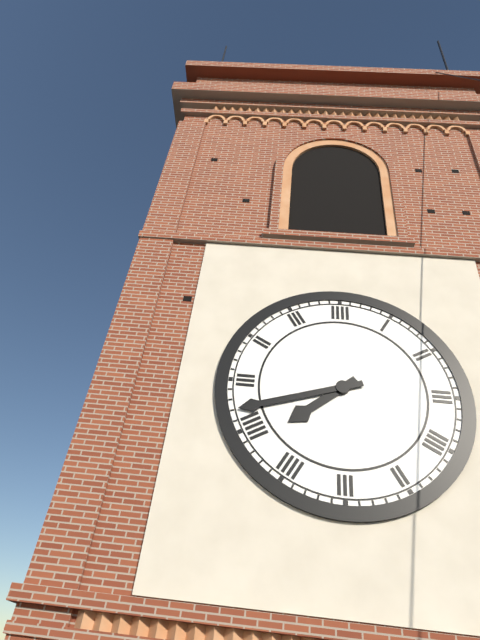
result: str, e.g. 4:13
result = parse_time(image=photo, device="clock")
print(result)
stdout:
7:42
